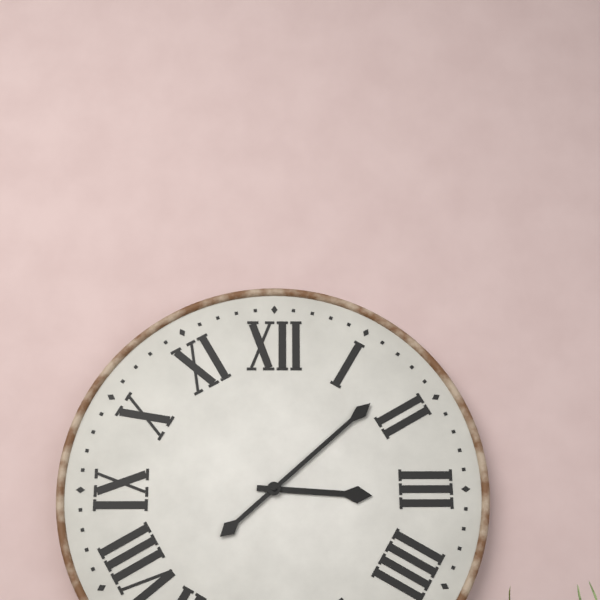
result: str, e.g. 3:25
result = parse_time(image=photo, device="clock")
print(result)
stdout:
3:08
